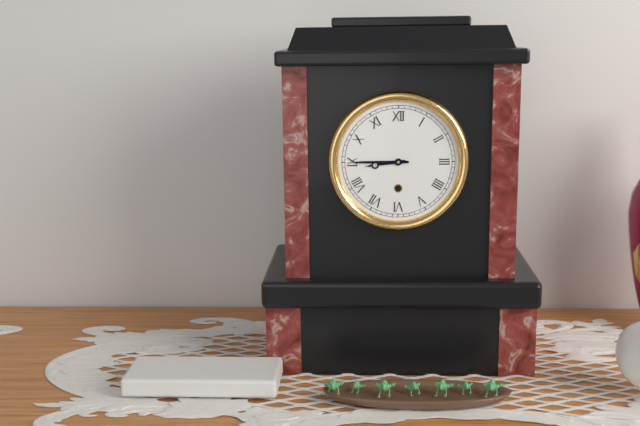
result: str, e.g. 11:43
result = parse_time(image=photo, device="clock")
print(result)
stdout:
8:45
